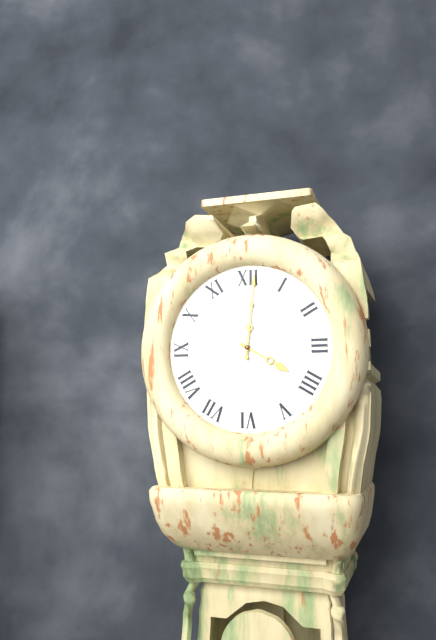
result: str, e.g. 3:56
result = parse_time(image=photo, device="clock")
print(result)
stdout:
4:01
